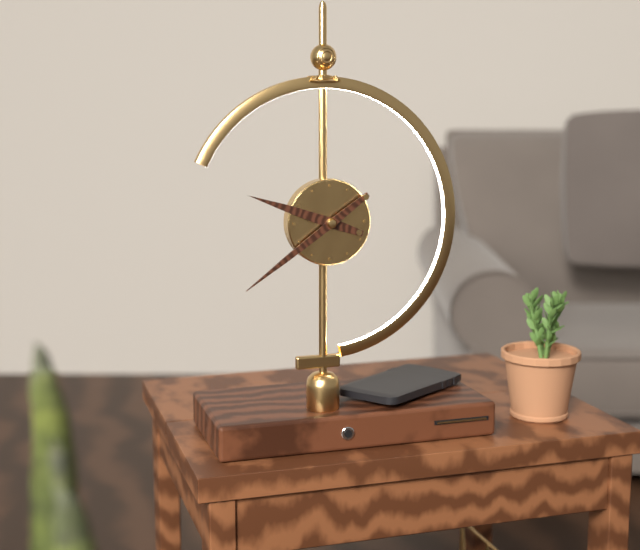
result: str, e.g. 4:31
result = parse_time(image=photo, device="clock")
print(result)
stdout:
9:39
